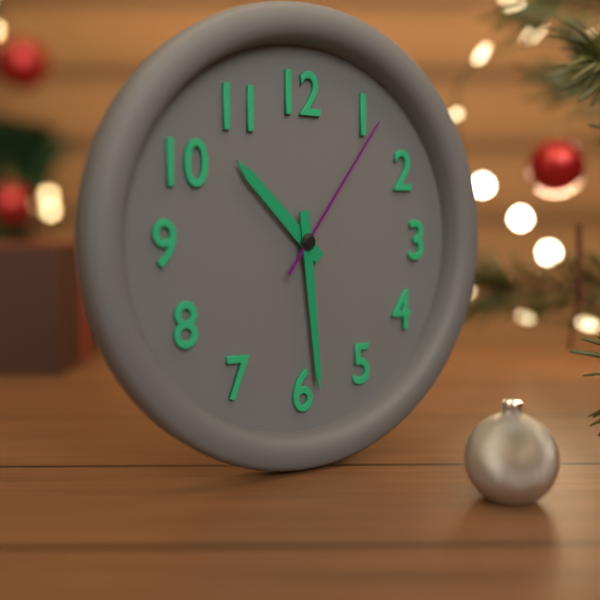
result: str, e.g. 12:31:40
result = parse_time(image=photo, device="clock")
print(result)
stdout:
10:29:06
